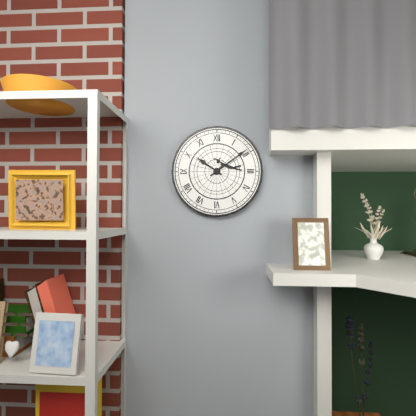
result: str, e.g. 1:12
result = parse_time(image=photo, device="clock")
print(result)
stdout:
10:09
